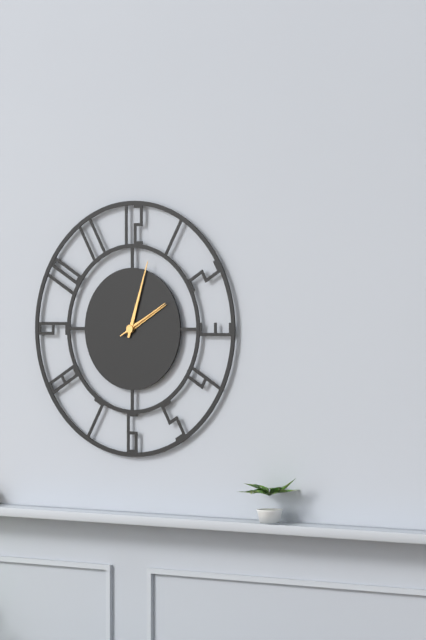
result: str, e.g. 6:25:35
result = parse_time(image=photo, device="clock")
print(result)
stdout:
2:03:10
